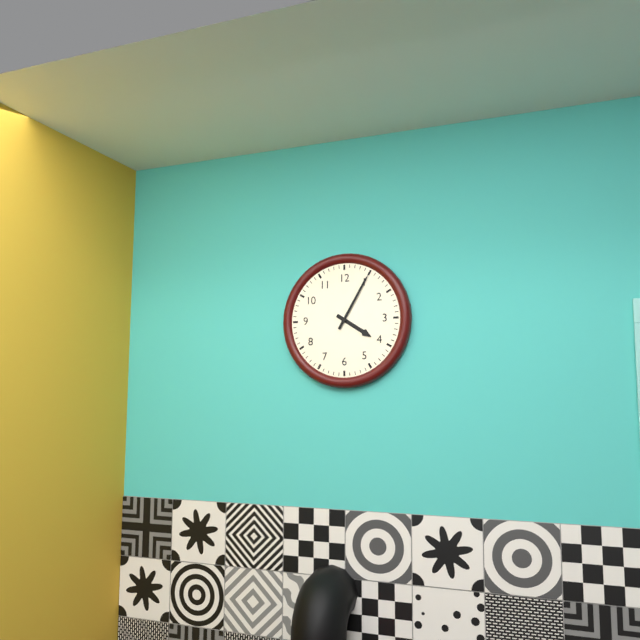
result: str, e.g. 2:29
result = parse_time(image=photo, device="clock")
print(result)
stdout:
4:05
